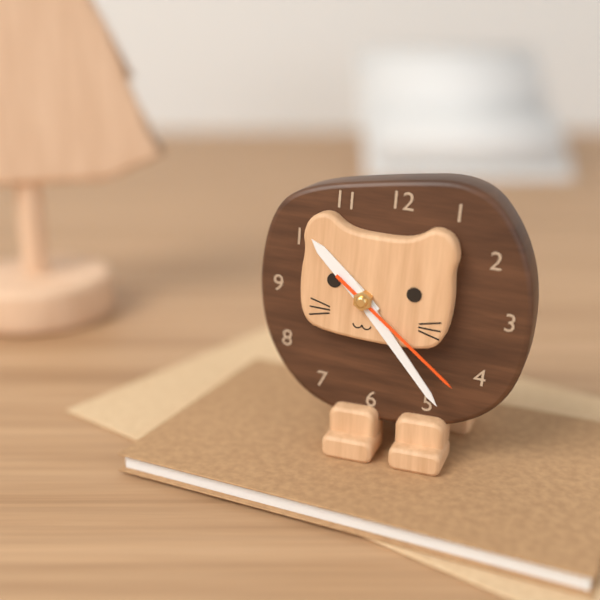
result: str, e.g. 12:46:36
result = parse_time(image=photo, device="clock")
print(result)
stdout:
10:23:21
